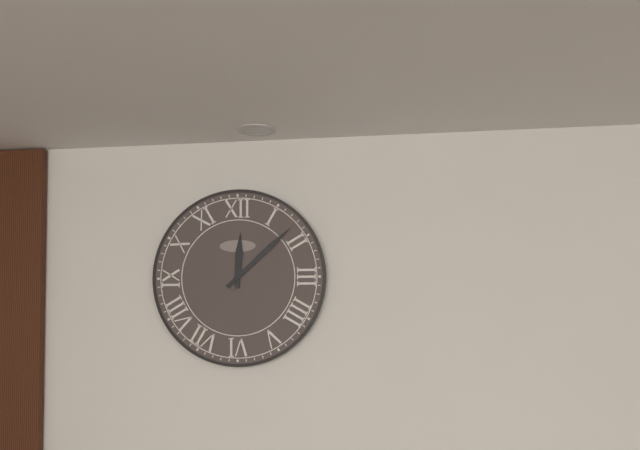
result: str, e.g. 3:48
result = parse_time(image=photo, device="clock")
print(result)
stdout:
12:08
